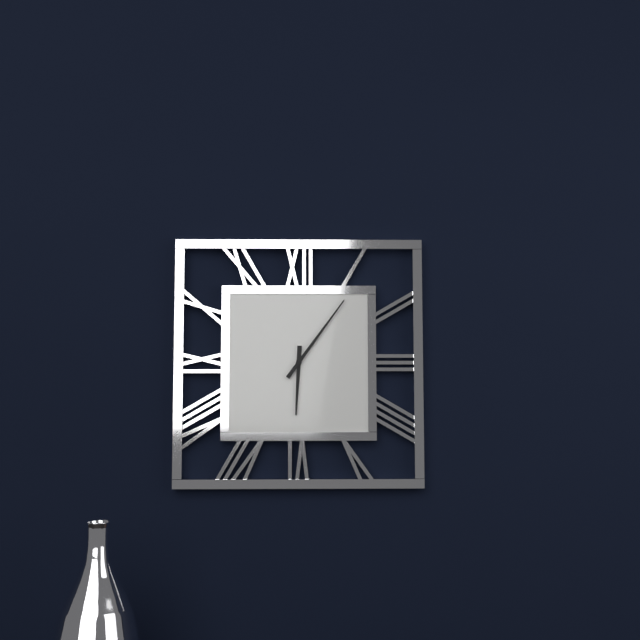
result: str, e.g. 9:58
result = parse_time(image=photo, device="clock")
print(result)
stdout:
6:06
